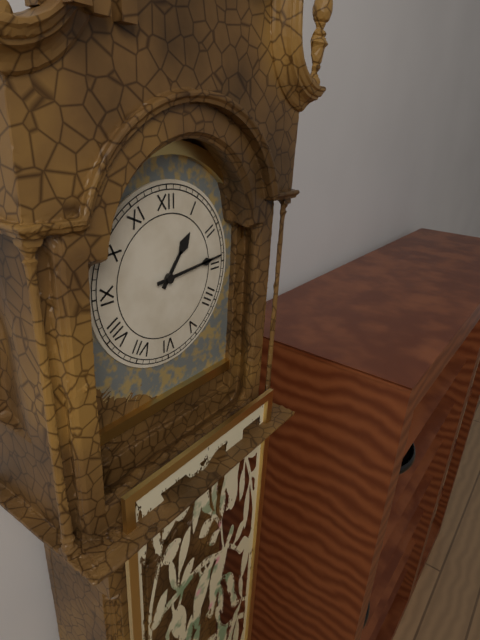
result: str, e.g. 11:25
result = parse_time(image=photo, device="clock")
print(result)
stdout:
1:14
